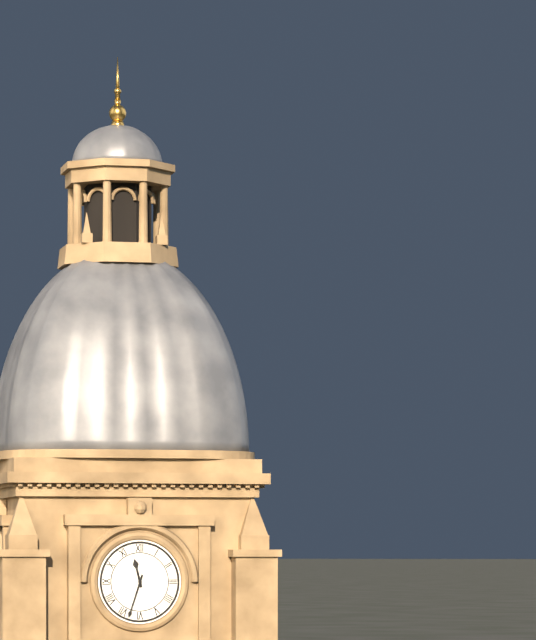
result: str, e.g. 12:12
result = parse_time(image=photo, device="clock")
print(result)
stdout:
11:33
